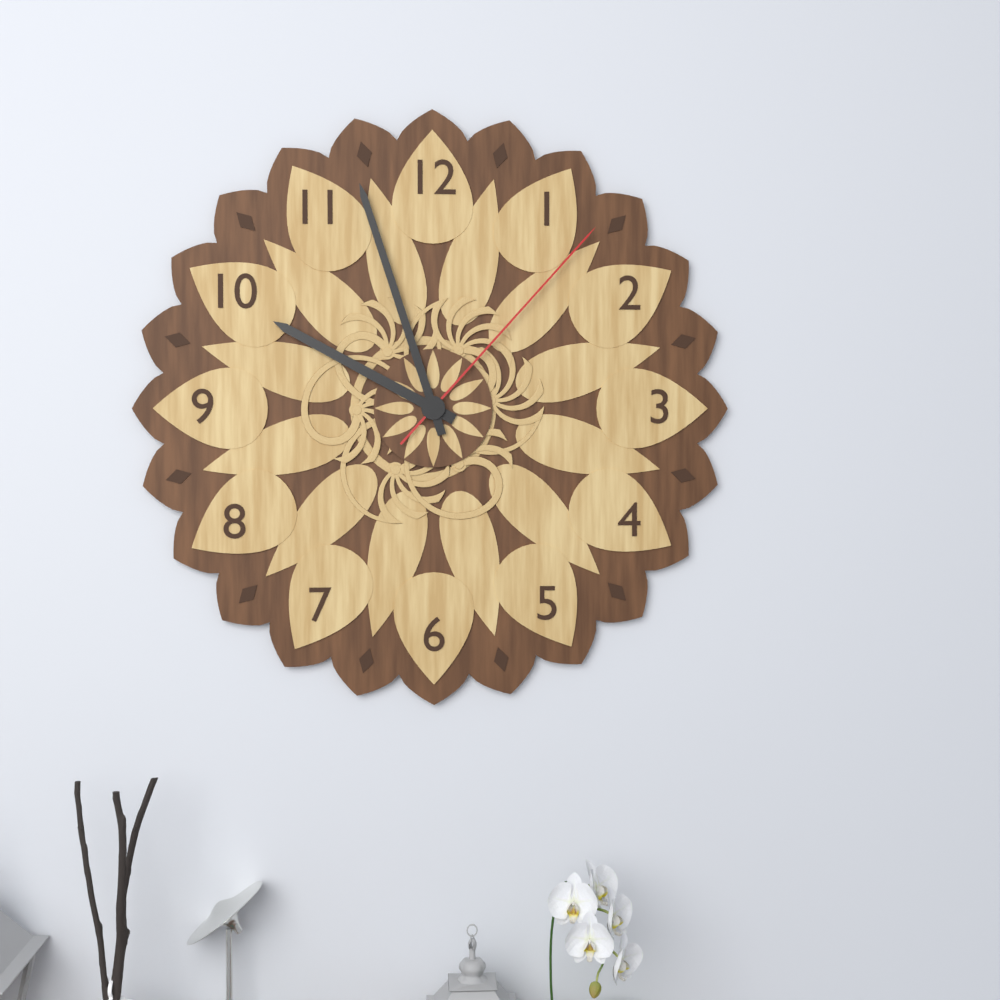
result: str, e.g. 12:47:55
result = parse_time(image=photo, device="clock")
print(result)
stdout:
9:57:07
